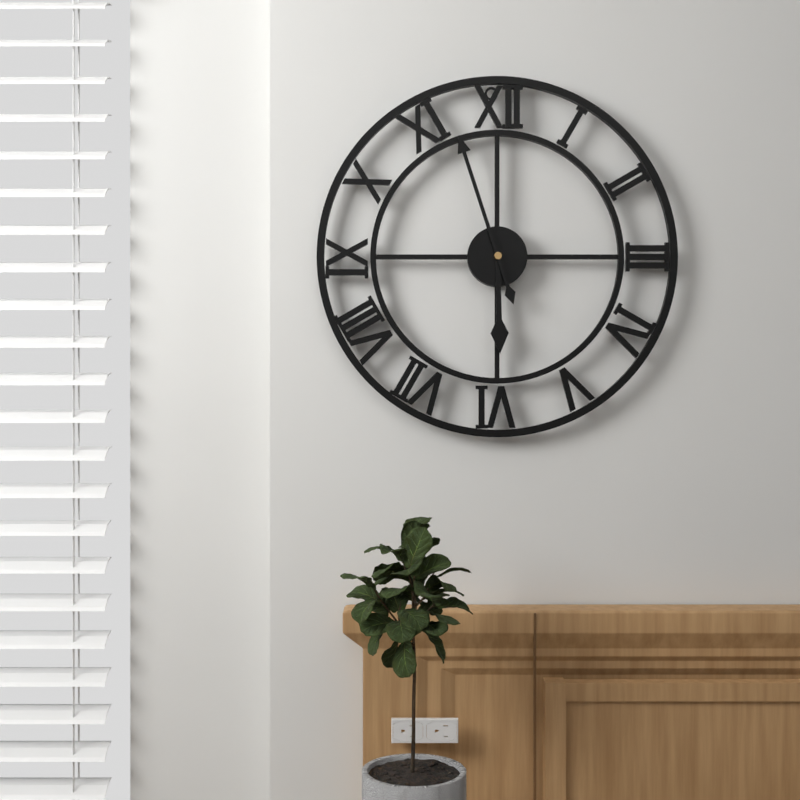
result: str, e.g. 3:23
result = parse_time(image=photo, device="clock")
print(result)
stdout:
5:57
